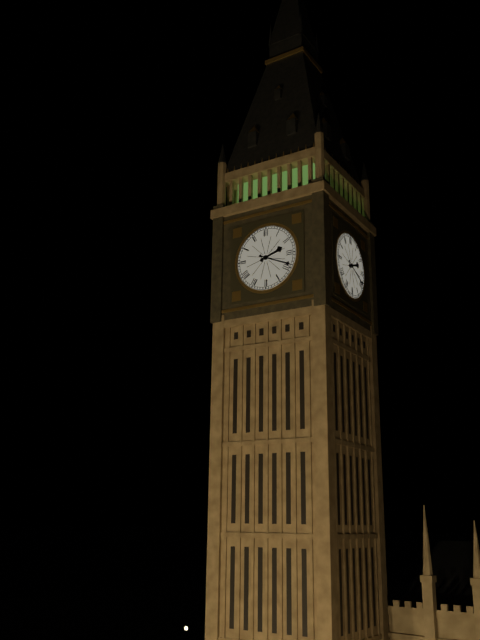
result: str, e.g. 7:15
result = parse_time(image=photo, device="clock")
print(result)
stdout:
2:19
